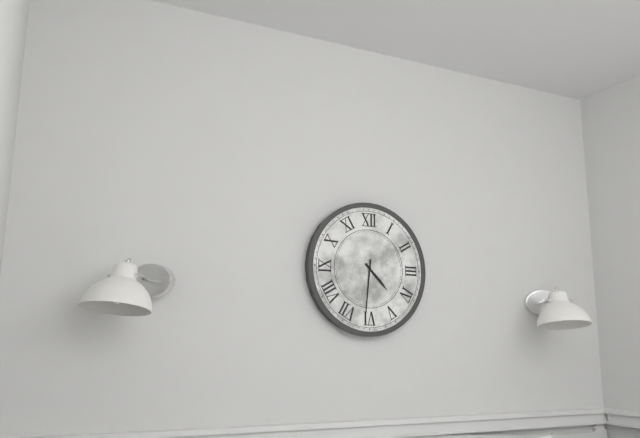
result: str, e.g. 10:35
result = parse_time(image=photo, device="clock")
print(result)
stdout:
4:31
